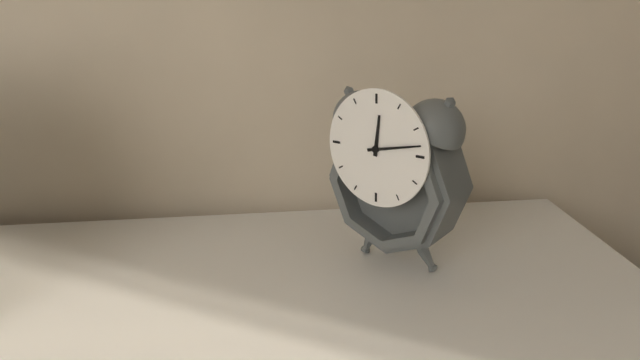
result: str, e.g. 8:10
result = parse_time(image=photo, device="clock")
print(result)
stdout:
12:13
